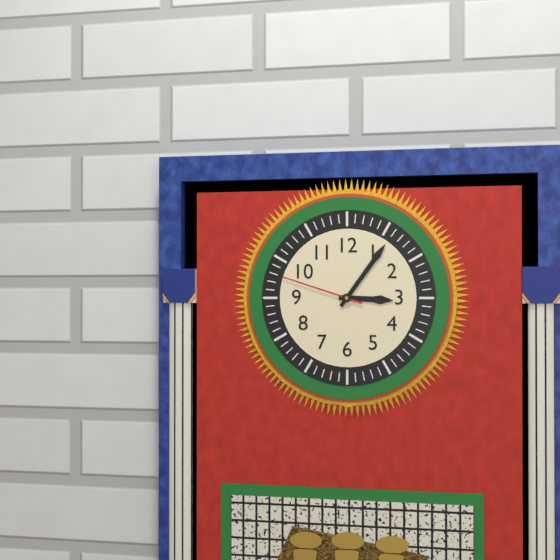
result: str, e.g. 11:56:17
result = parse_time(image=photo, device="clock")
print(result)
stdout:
3:06:48
